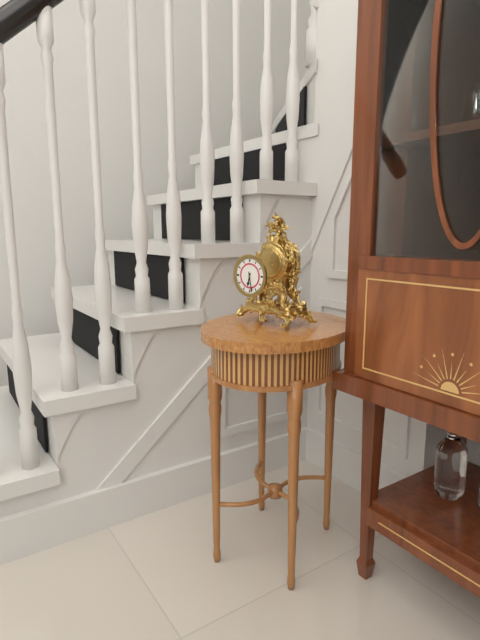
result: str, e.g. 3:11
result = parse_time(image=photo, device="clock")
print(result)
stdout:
6:28
